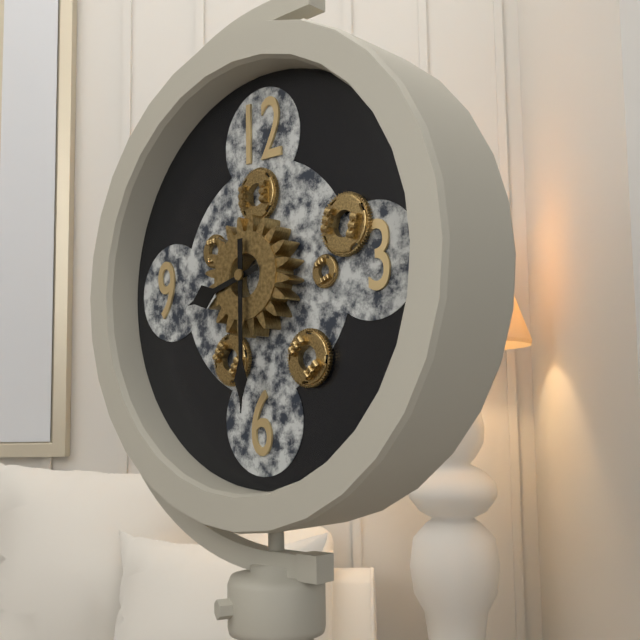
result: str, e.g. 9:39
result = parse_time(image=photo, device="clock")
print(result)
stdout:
8:30
